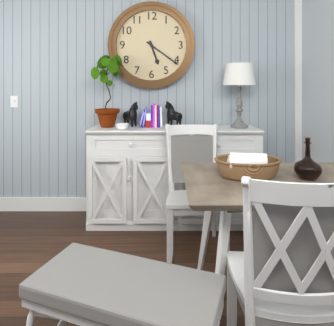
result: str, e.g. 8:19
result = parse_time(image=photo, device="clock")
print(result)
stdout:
5:21
